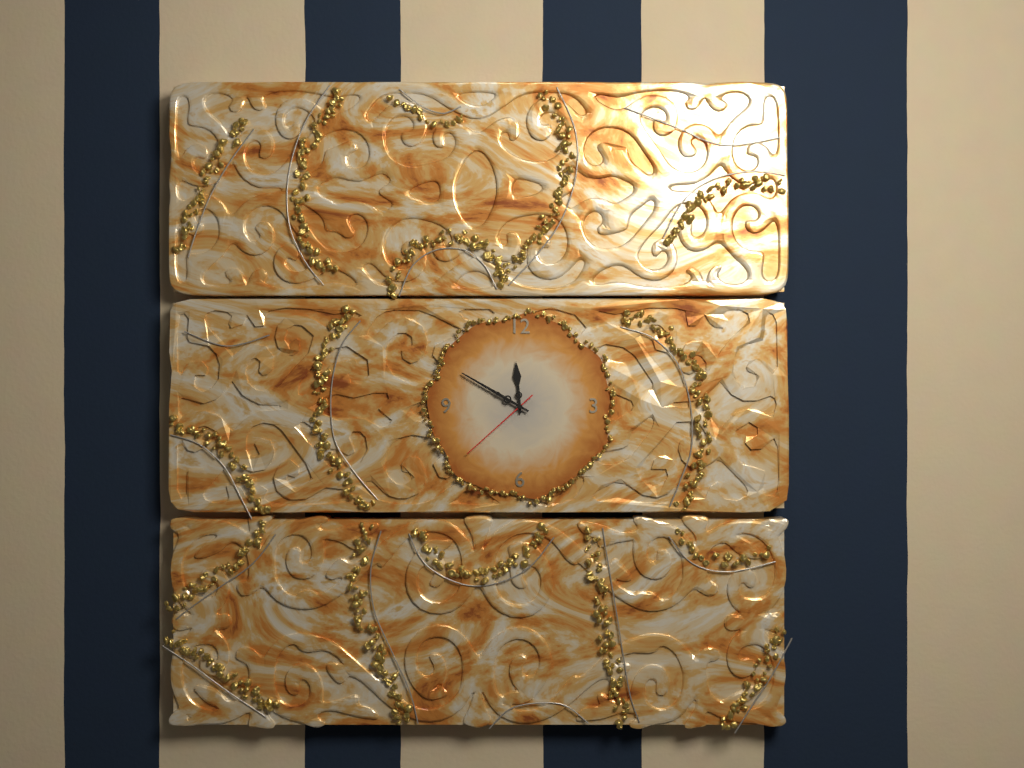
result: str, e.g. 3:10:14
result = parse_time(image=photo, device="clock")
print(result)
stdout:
11:50:38
